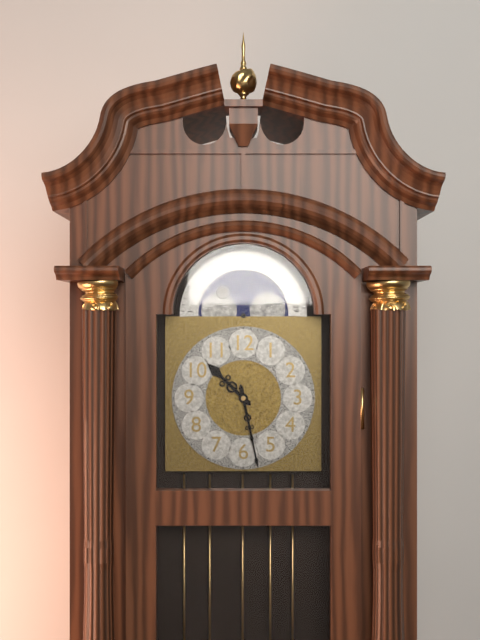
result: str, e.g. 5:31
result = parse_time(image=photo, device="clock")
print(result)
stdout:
10:28
